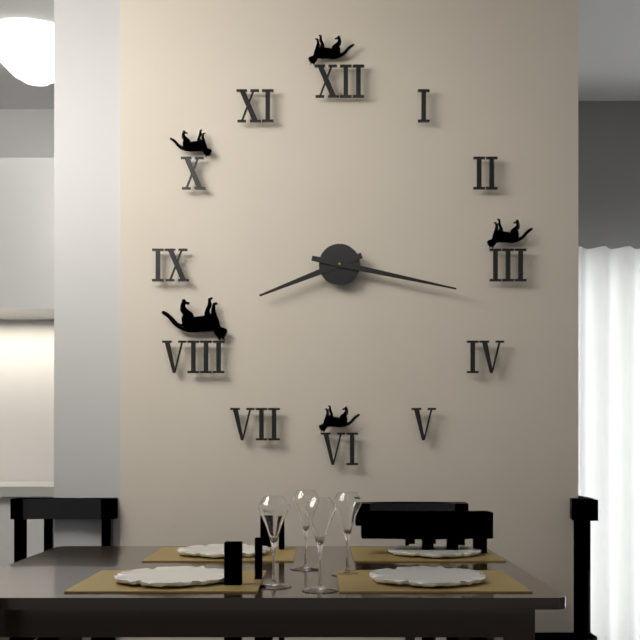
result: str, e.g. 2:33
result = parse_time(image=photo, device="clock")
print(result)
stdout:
8:17
